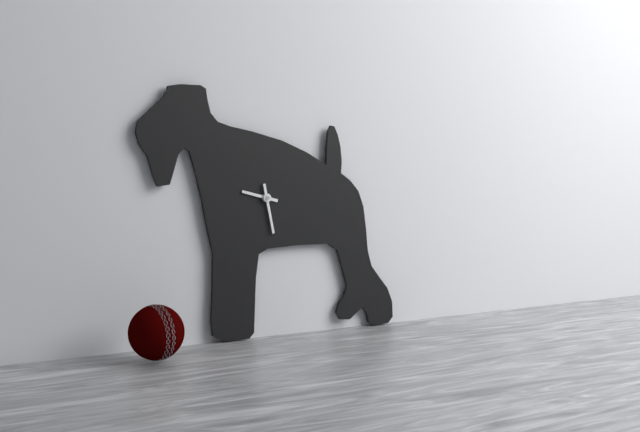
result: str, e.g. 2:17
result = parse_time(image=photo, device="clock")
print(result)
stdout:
9:28
